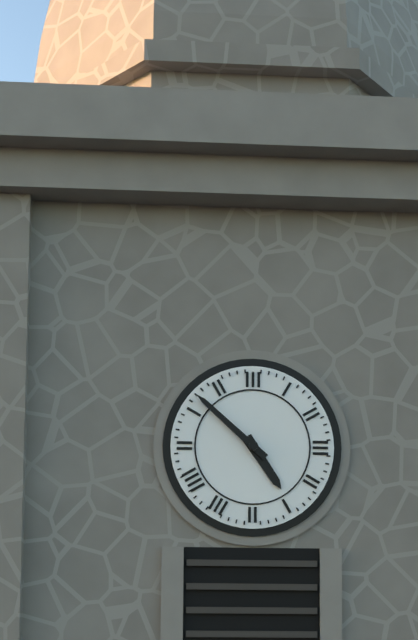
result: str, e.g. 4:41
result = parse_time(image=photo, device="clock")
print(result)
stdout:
4:52
